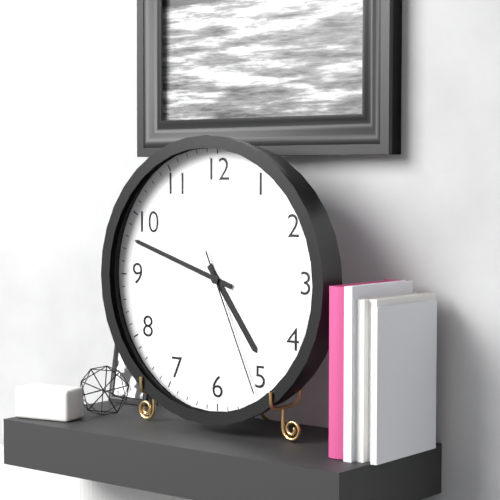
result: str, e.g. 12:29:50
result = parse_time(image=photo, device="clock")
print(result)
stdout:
4:48:26
